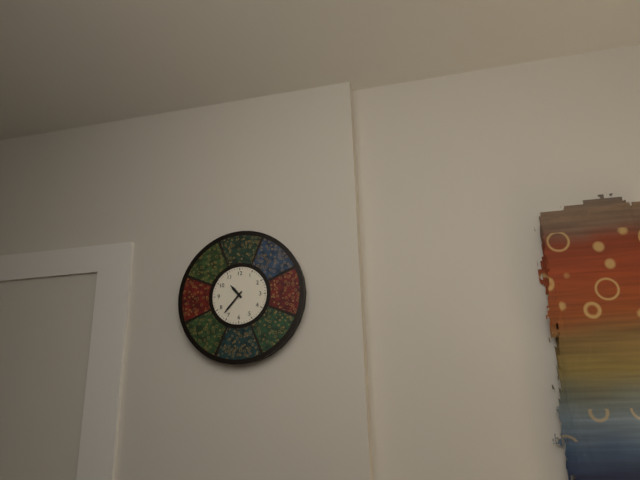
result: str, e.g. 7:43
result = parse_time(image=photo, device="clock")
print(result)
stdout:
10:37
